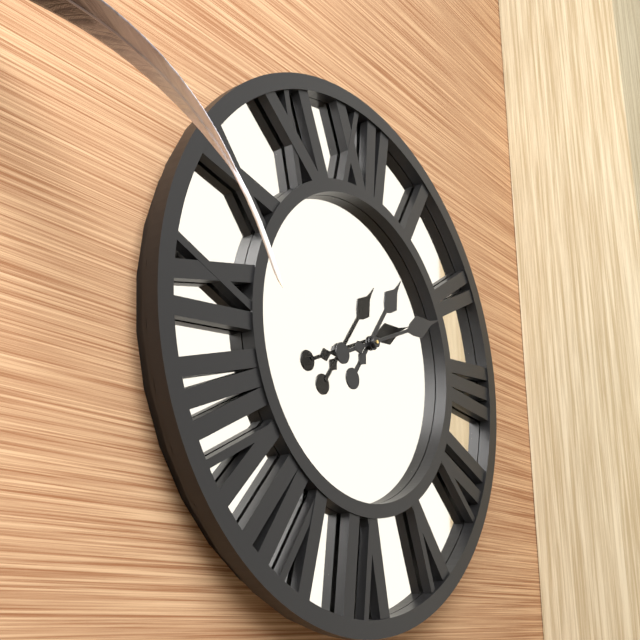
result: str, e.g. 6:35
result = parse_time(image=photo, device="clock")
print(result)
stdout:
1:11
